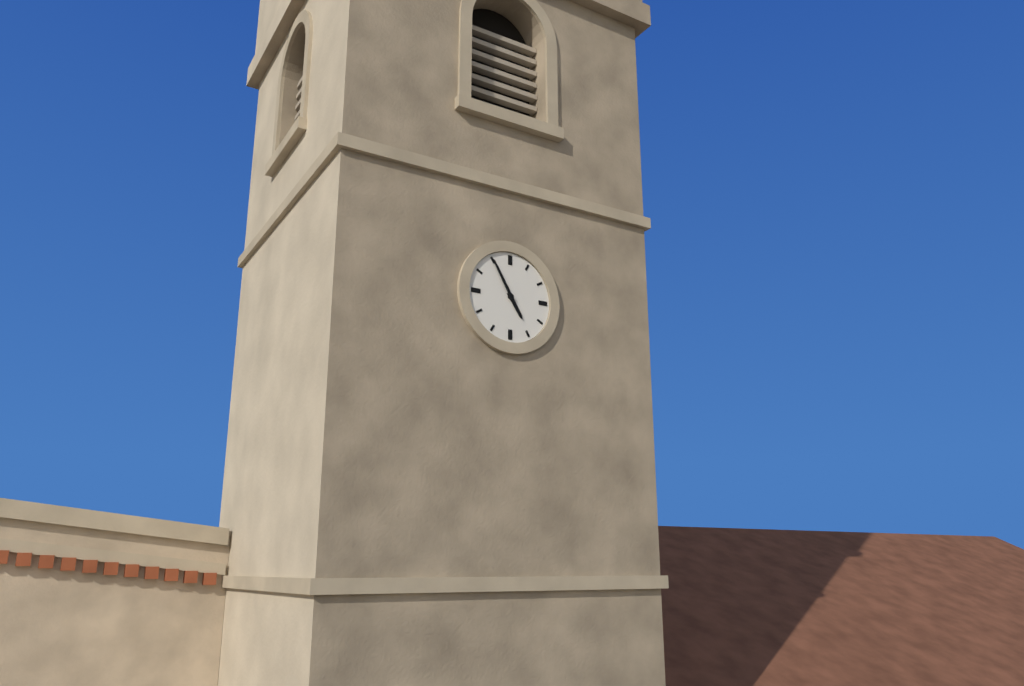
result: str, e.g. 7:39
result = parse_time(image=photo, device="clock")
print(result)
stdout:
4:55
